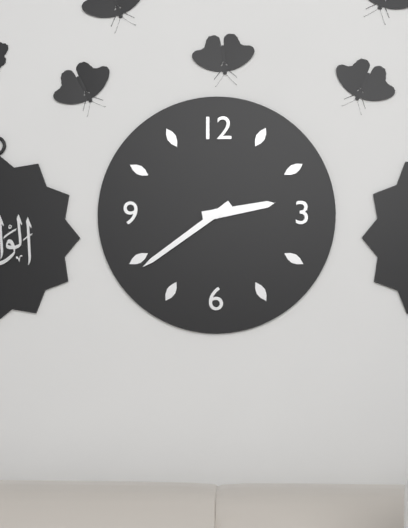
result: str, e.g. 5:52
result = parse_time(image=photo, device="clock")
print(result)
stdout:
2:39
